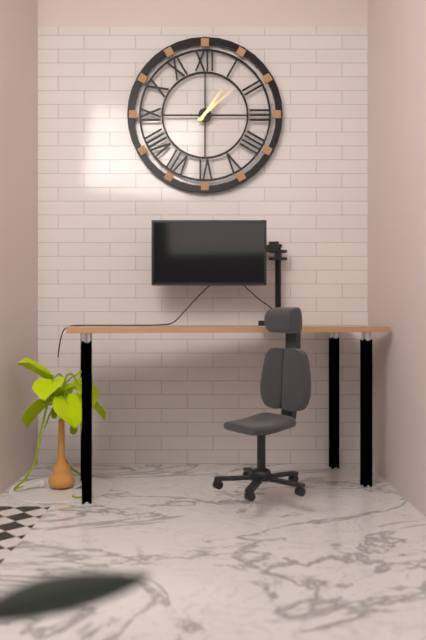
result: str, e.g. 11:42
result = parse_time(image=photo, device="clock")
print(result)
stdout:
1:08
